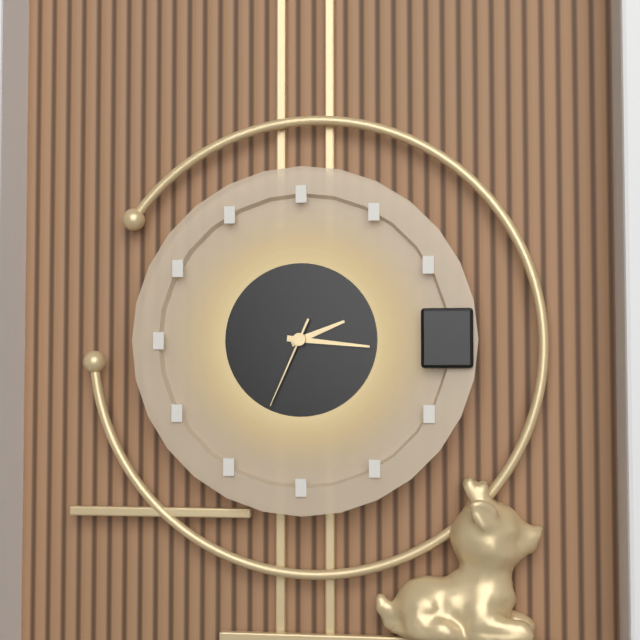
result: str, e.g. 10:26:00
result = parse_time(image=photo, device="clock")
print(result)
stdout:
2:16:34
